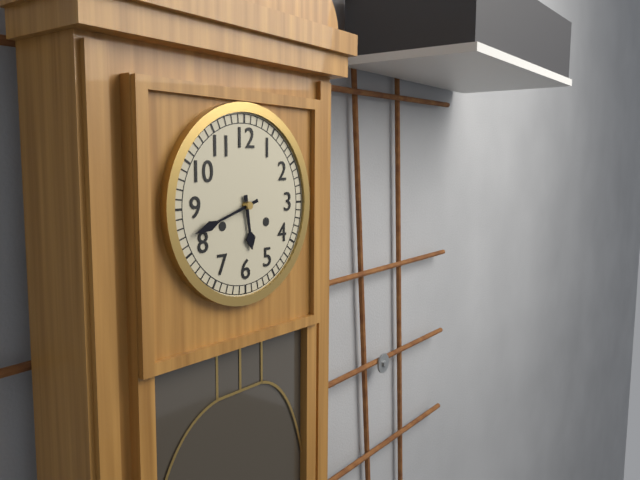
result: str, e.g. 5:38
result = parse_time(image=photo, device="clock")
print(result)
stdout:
5:42
